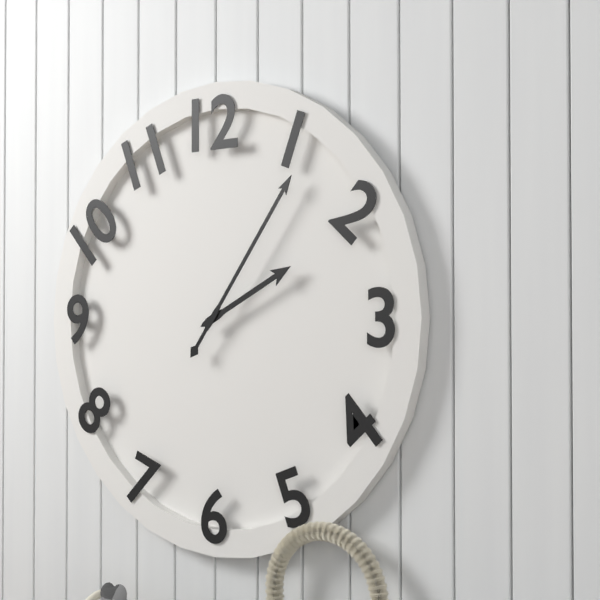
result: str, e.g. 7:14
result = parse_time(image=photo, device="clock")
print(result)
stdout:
2:06
